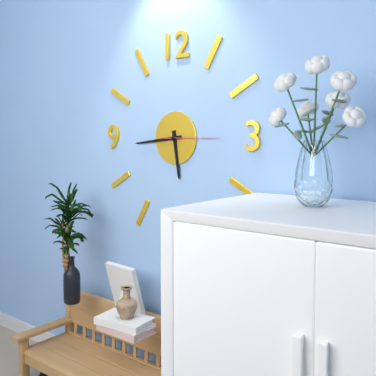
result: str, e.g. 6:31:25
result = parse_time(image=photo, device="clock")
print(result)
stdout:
5:44:15
